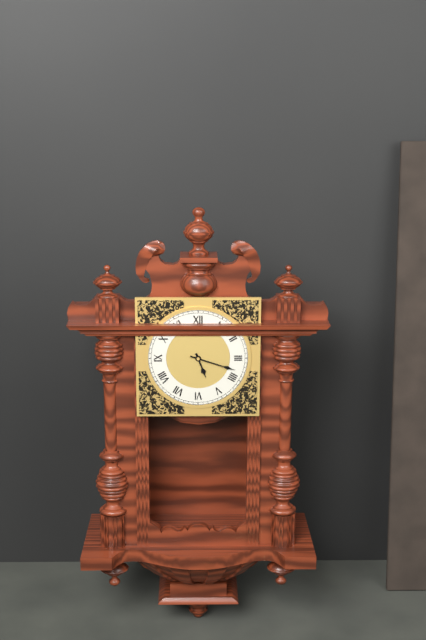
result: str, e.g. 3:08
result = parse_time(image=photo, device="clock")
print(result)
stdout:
5:18
